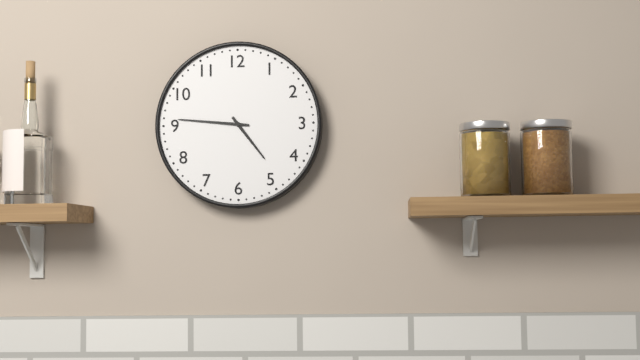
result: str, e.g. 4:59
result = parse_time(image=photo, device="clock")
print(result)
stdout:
4:46
